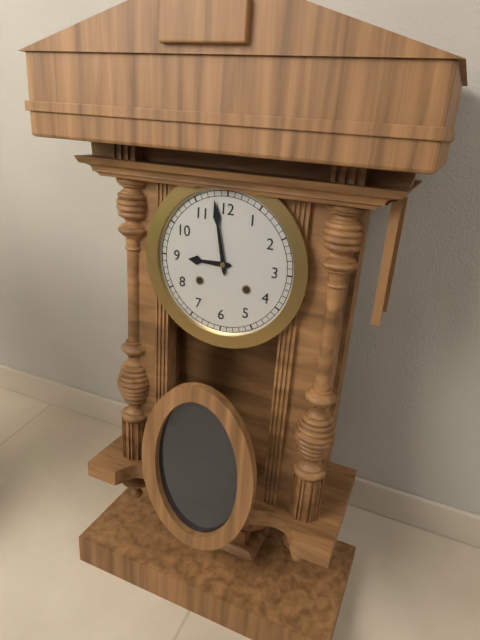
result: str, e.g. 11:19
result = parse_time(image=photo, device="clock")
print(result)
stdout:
8:58
